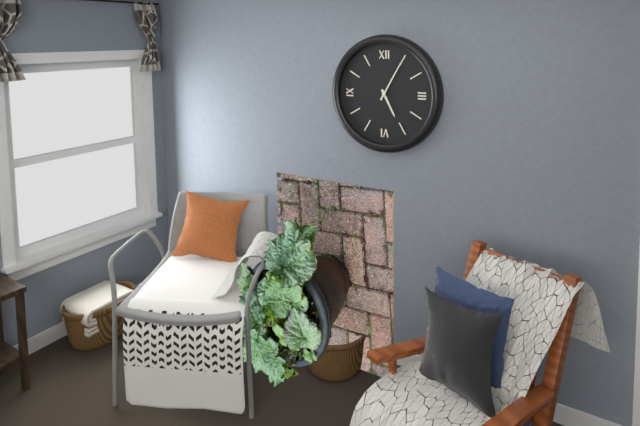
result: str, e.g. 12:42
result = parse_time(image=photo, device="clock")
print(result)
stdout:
5:05
